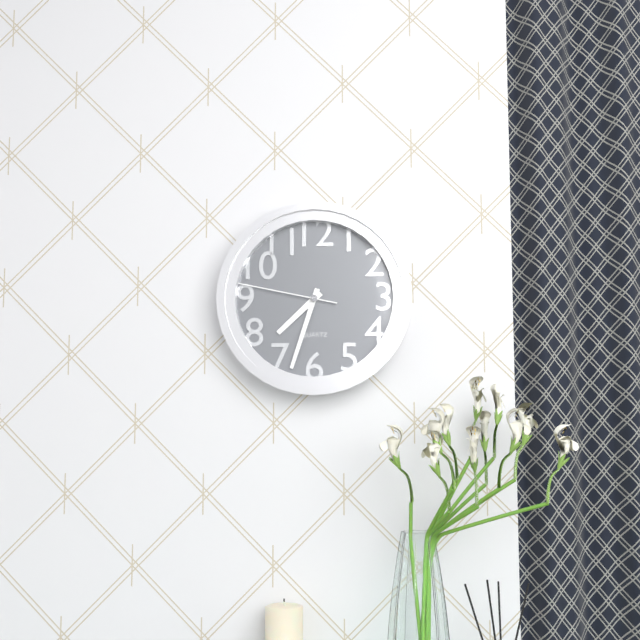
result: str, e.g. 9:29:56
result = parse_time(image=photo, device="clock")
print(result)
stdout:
7:33:47
